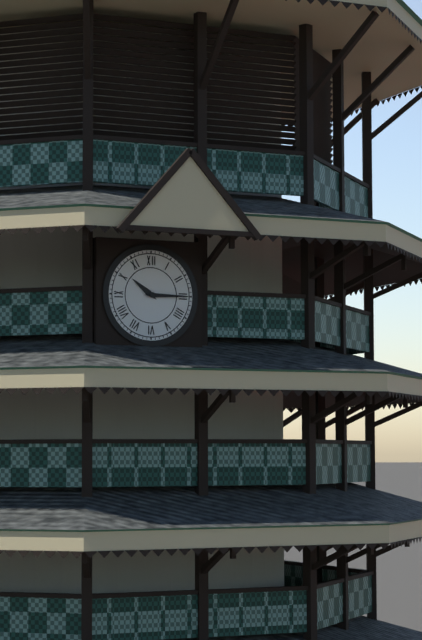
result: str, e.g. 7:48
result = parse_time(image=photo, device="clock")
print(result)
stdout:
10:15
